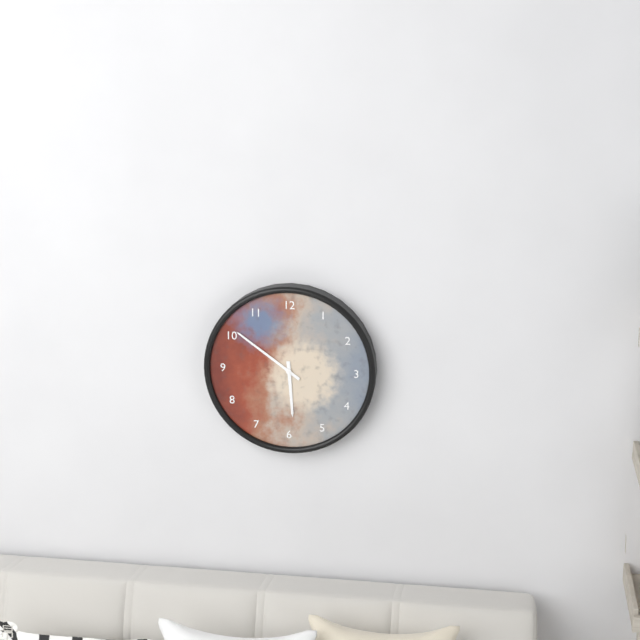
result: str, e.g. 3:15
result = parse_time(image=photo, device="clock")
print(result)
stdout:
5:51
